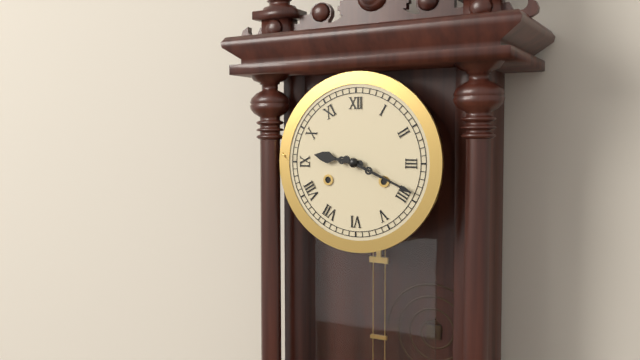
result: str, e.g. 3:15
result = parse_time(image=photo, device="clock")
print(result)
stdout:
9:19
